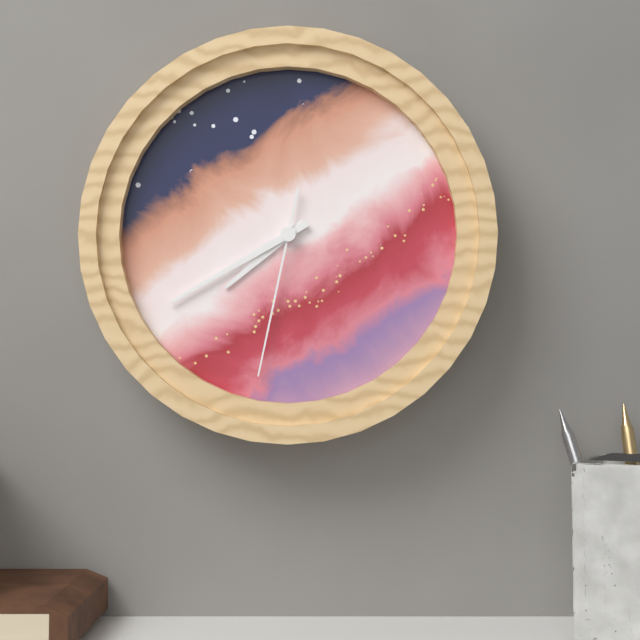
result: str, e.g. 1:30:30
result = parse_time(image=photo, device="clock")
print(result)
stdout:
7:40:32
